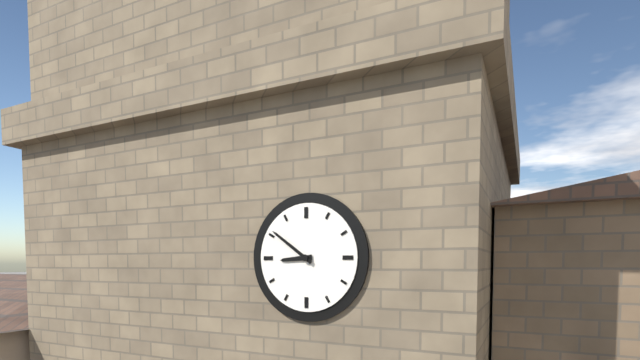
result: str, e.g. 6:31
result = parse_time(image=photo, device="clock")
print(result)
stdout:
8:51
